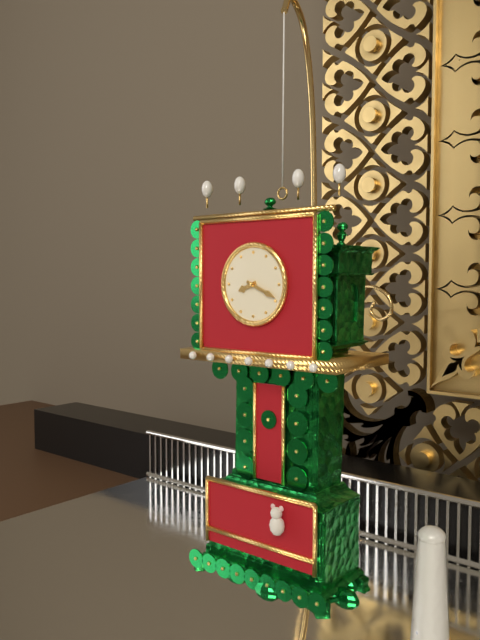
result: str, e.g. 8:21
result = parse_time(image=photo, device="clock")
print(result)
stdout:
8:19
